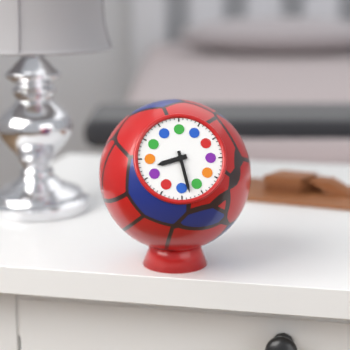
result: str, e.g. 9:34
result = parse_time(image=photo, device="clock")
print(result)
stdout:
8:28
